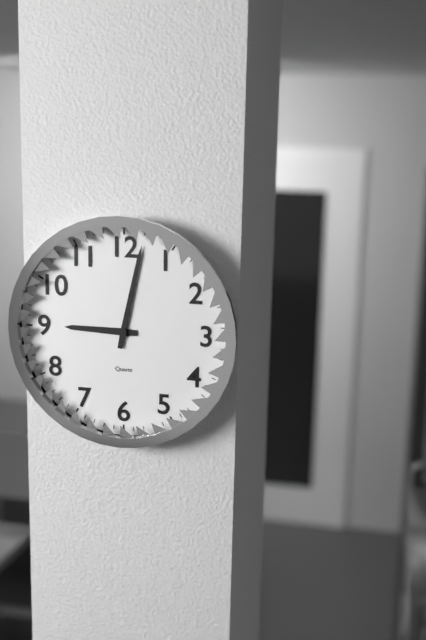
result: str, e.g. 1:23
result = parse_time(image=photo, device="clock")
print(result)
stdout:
9:02
